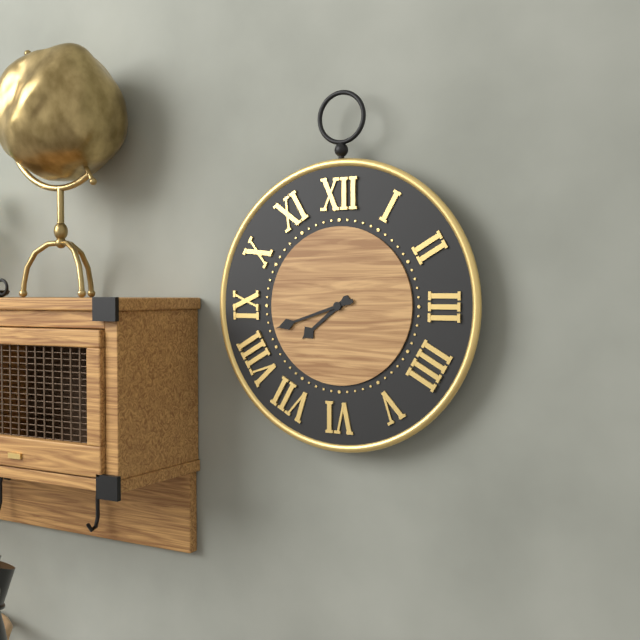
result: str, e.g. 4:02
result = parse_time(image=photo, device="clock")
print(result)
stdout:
7:42
